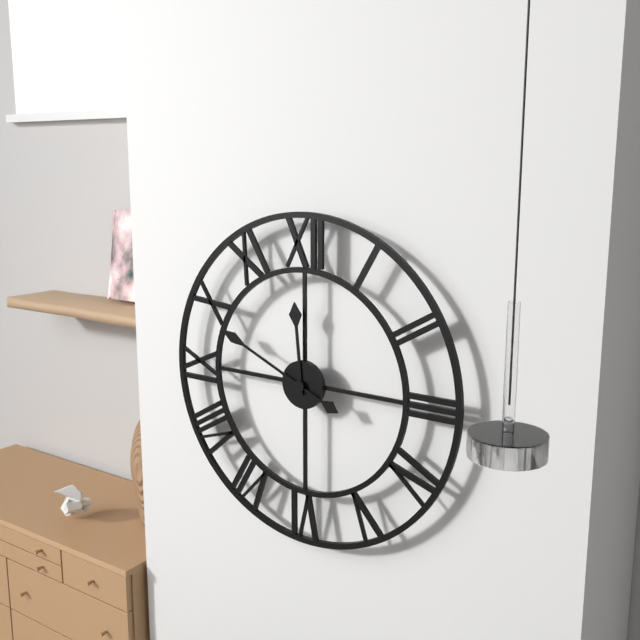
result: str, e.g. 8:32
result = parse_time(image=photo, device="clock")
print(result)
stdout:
11:49
